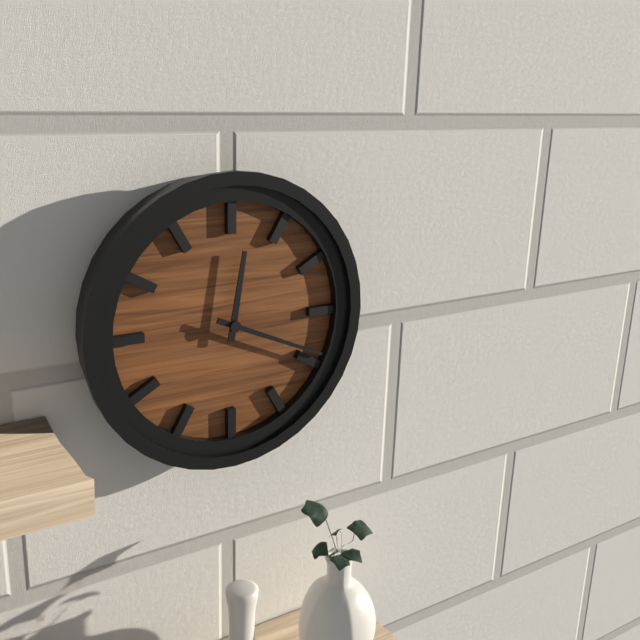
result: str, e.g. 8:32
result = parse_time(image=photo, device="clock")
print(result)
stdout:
12:19
